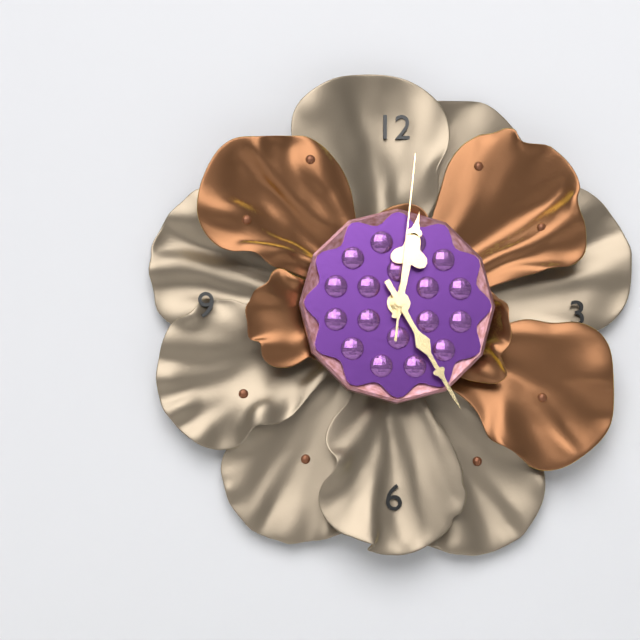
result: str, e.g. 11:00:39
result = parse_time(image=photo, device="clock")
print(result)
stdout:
12:25:01
